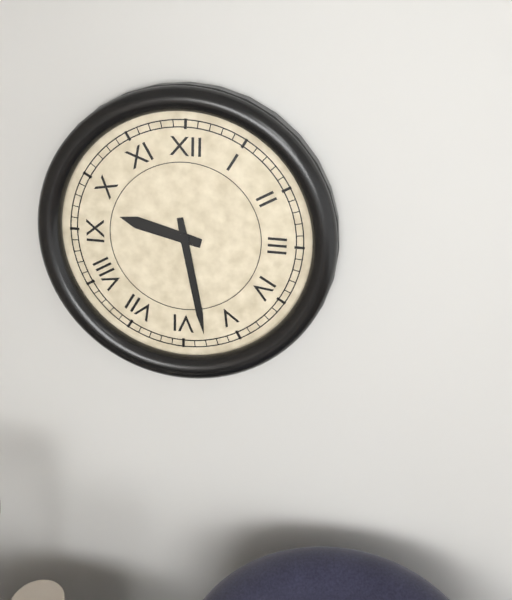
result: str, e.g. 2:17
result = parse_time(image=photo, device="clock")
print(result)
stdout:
9:28
